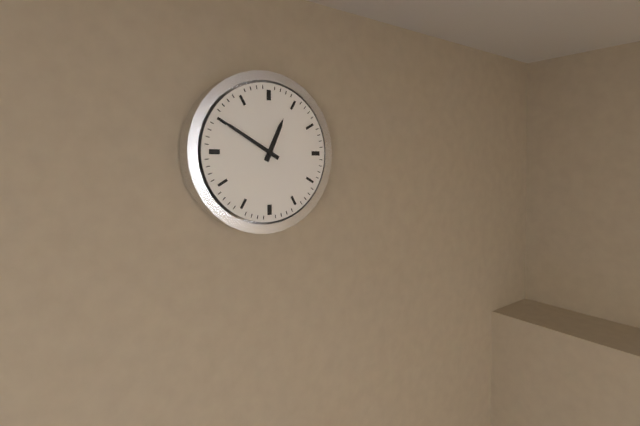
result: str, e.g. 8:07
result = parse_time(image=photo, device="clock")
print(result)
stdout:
12:50
